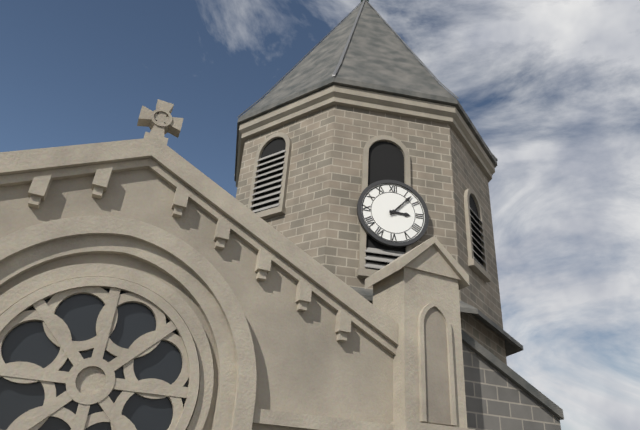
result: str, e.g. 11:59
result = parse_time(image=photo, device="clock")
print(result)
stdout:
3:07
